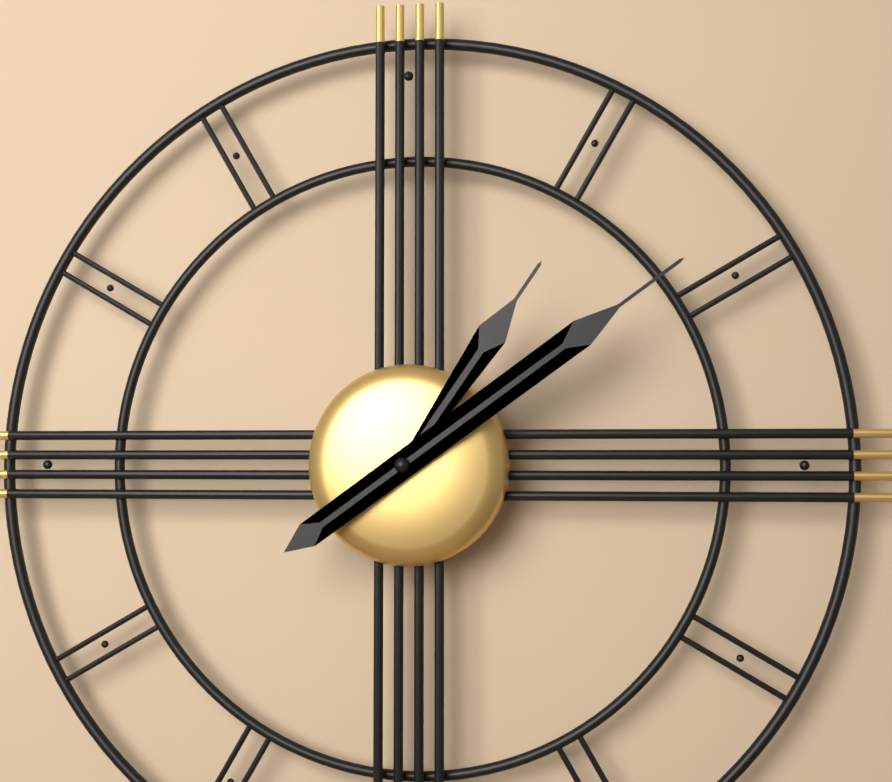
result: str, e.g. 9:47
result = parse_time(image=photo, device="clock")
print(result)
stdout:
1:09
